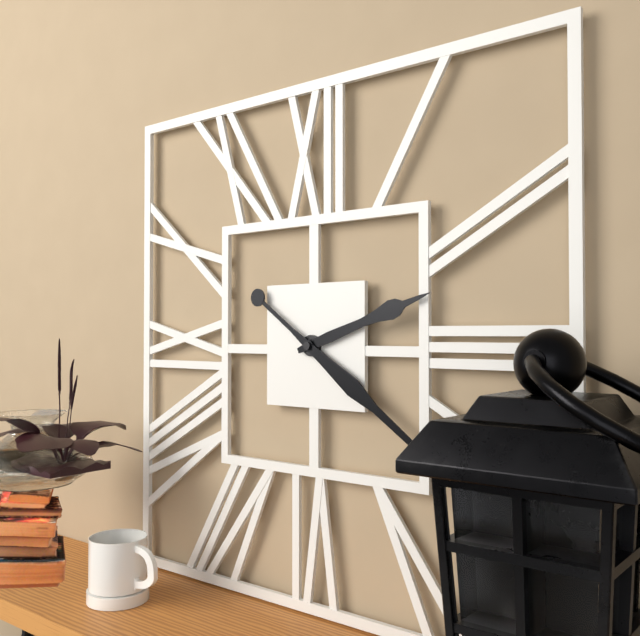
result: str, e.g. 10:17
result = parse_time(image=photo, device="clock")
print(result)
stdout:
2:21
